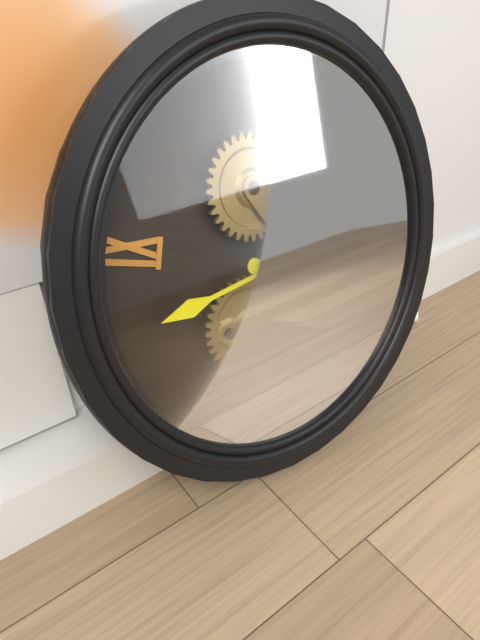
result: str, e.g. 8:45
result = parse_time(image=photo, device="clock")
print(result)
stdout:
2:41
